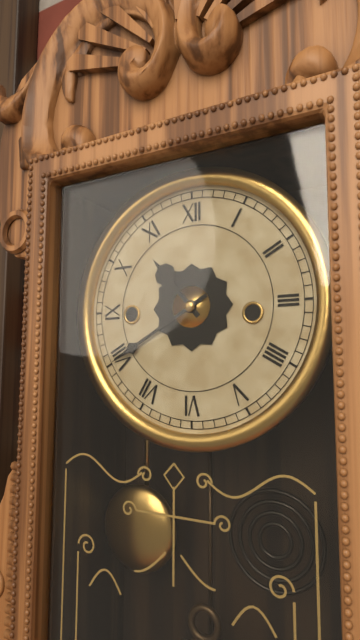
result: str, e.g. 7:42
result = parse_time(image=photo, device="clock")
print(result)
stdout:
10:40
